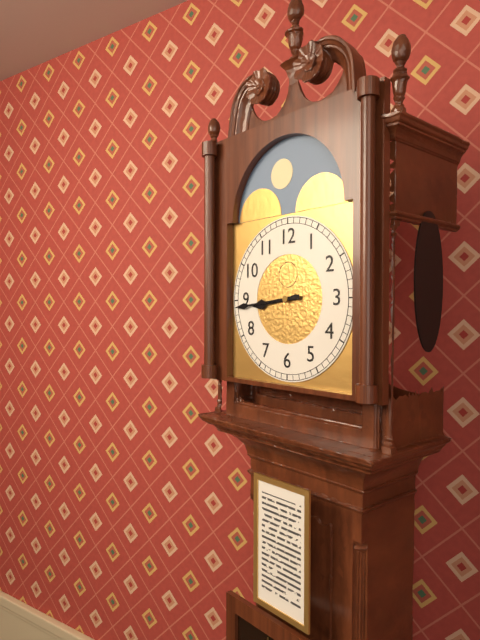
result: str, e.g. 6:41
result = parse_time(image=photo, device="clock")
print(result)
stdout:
8:44
